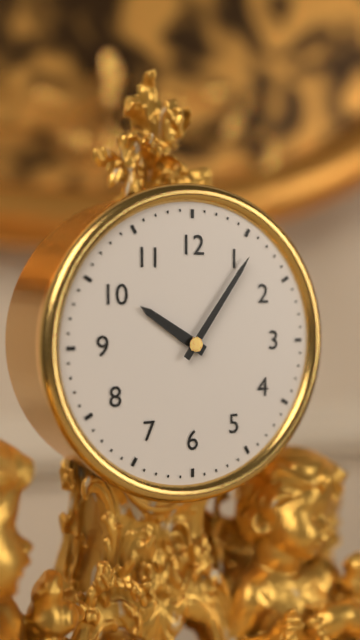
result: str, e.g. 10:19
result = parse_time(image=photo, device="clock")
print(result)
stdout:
10:06
